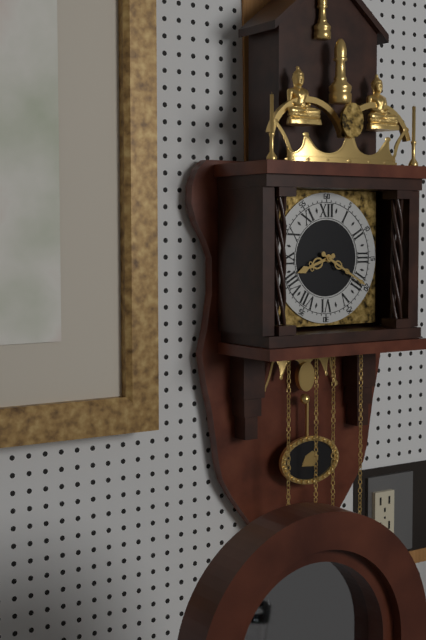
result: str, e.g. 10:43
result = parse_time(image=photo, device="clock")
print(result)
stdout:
8:20
